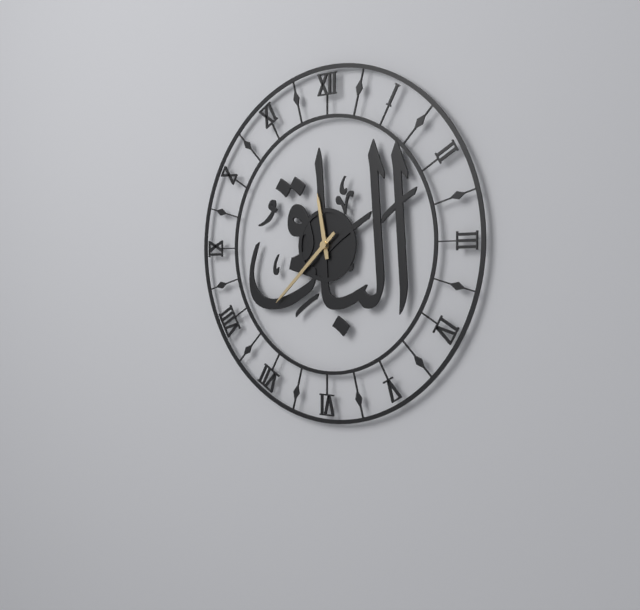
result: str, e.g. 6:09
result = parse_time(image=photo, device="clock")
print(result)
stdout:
11:38
